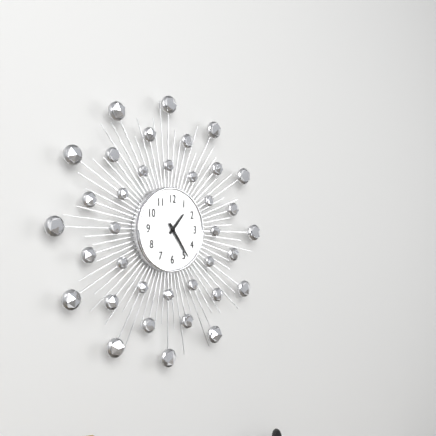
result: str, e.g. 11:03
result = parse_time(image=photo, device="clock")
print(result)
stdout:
1:24
